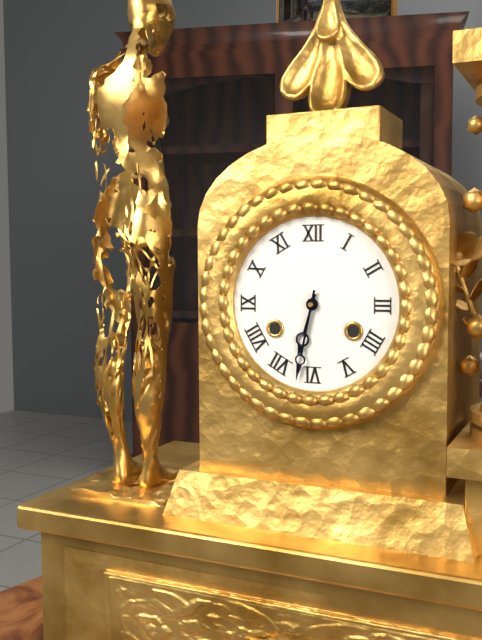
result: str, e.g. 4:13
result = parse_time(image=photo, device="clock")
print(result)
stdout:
6:32
